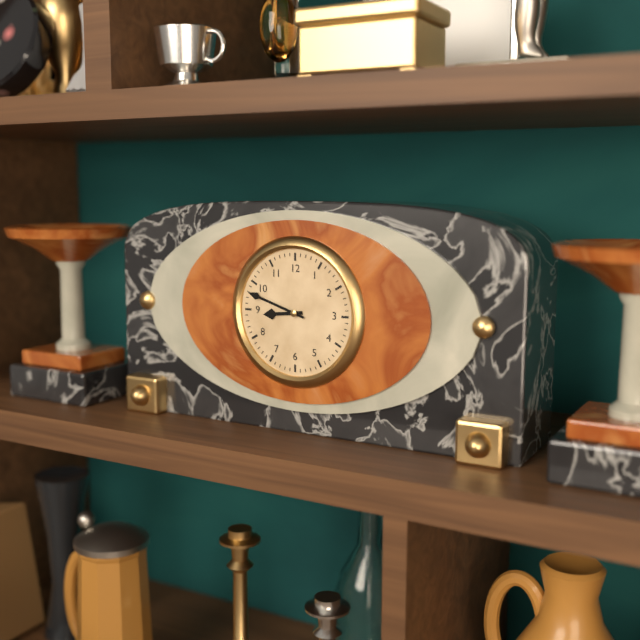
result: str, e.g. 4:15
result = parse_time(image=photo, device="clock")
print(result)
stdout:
8:48
